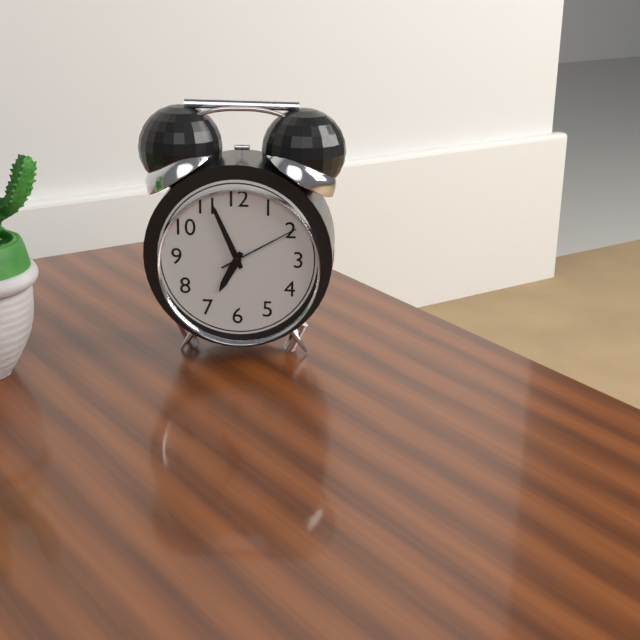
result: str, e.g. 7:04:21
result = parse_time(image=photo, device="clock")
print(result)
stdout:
6:56:10
